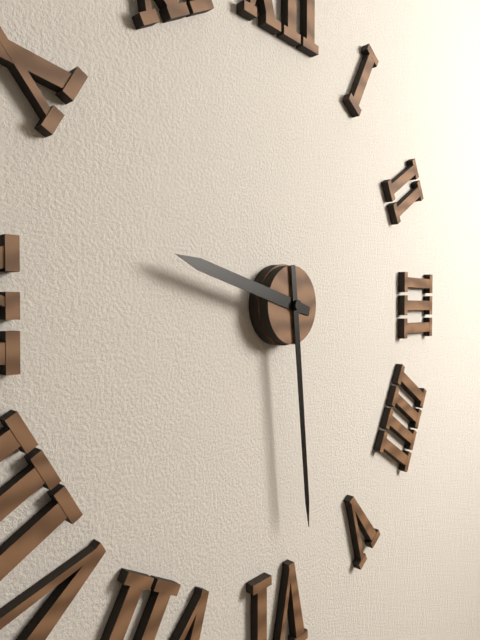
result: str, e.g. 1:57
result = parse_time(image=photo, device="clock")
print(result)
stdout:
9:29
